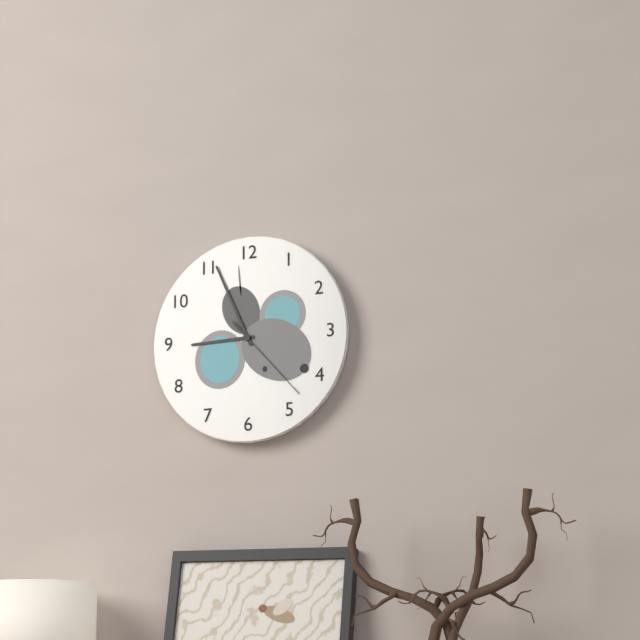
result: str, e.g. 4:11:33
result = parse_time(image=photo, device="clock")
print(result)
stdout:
8:56:23
